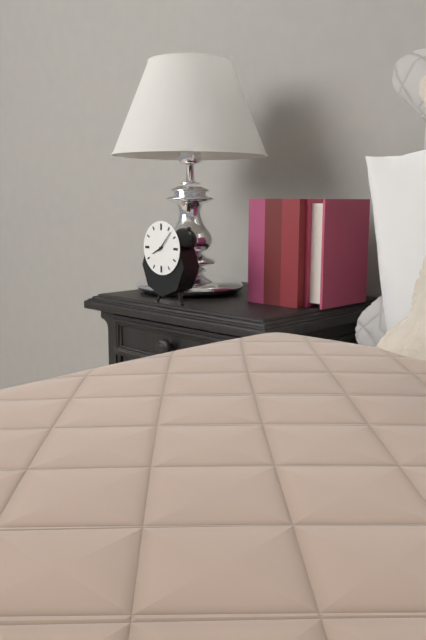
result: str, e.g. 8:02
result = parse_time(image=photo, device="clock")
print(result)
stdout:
8:07
